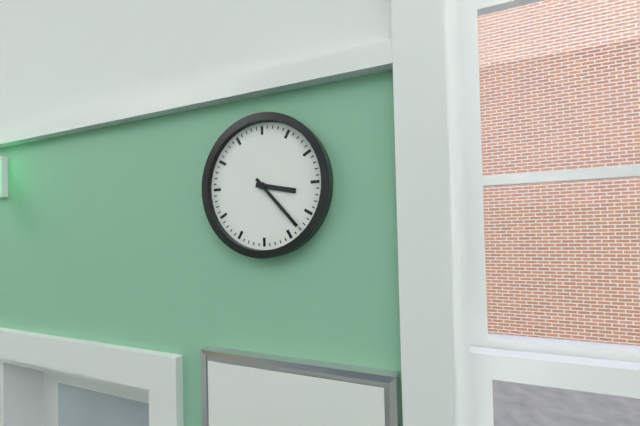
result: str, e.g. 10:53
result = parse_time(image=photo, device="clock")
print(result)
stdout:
3:23
